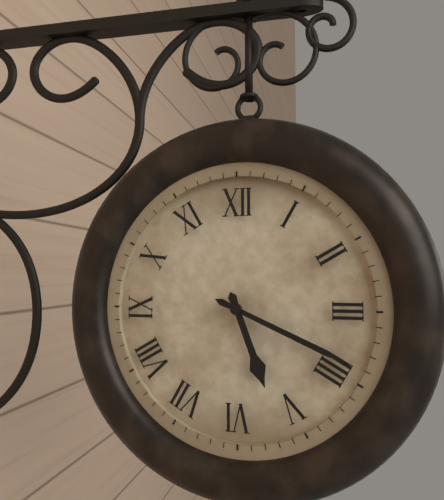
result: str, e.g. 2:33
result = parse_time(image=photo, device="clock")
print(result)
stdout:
5:19
